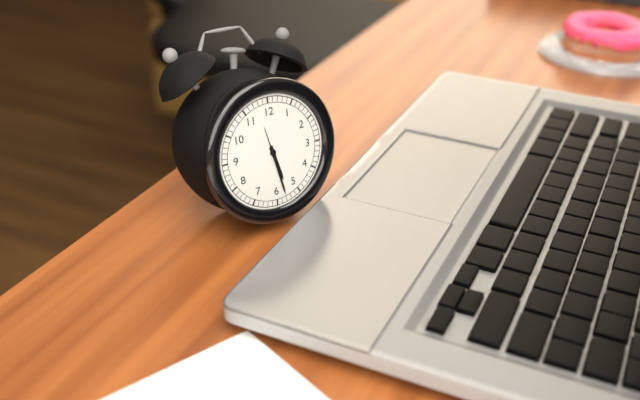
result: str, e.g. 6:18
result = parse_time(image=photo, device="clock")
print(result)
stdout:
5:28
